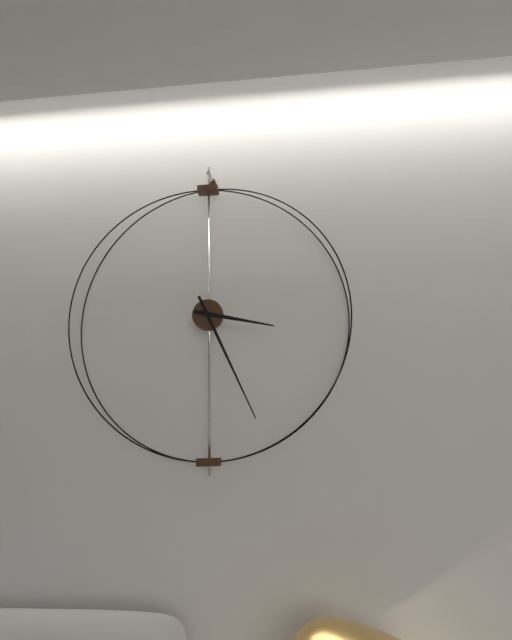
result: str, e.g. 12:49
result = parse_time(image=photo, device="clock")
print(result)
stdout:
3:26
